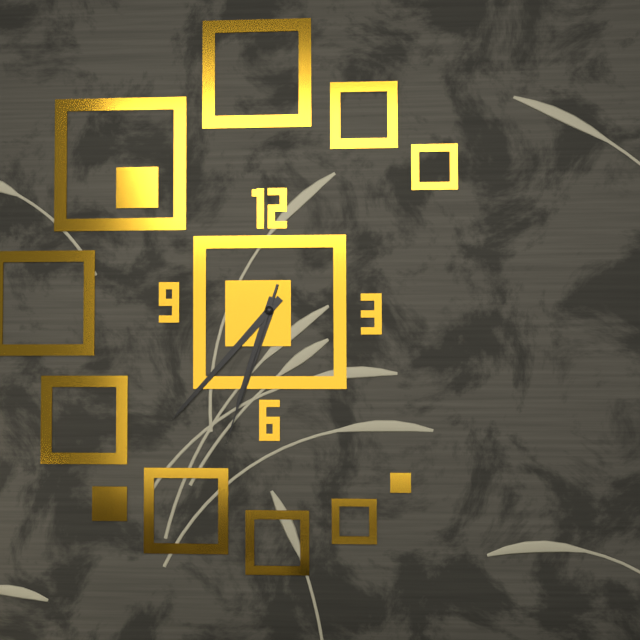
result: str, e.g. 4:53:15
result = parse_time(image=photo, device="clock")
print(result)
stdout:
6:37:33
